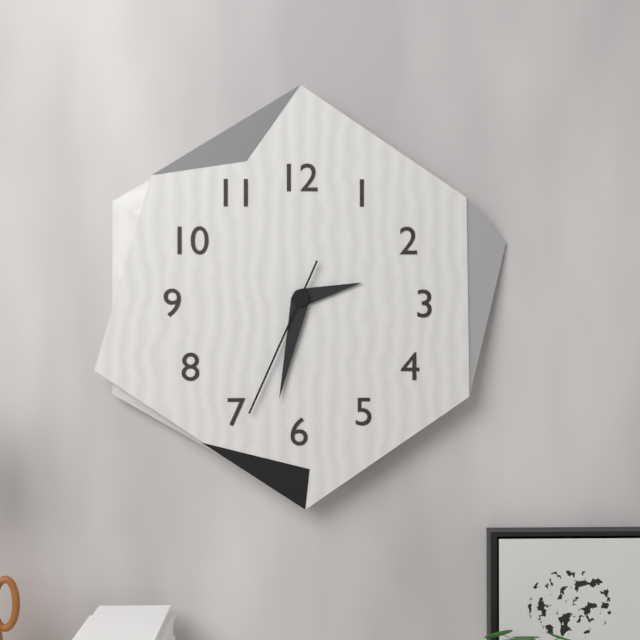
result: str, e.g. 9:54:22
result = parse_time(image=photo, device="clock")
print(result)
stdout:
2:32:34
